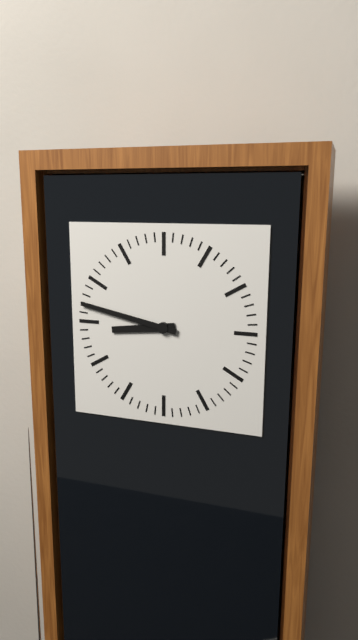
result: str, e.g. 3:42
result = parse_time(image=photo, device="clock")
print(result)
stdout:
8:47
